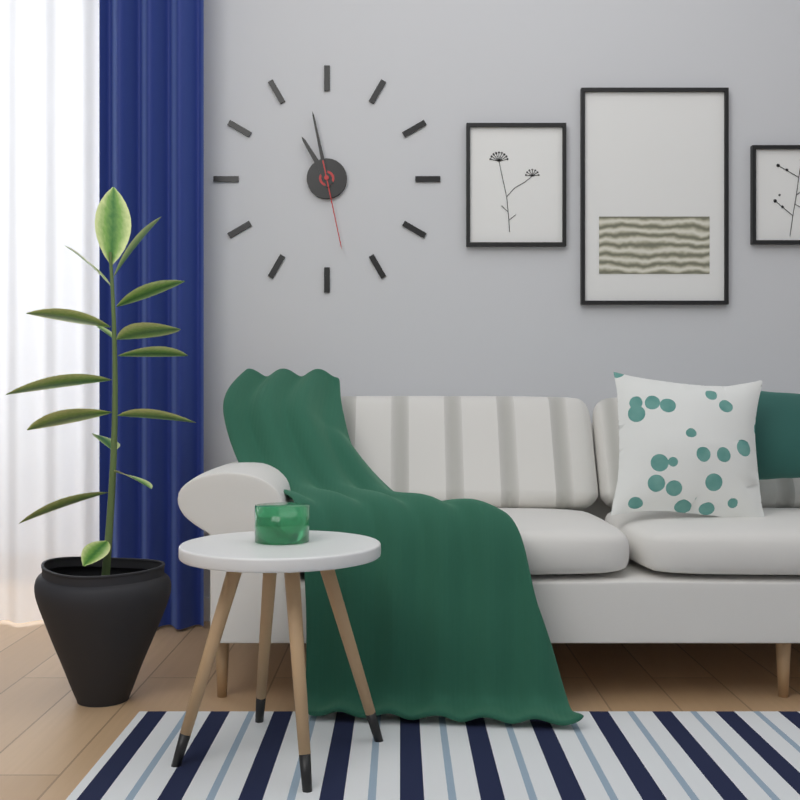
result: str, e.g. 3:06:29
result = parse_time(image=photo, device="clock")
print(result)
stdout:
10:58:28
